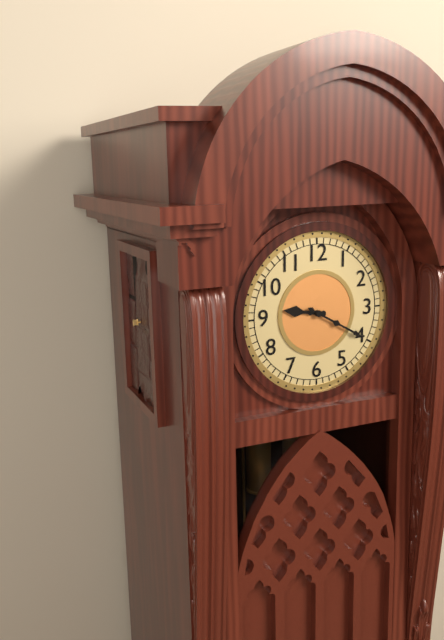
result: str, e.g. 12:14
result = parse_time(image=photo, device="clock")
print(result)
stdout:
9:20
